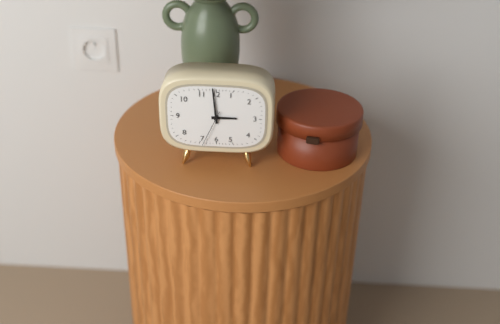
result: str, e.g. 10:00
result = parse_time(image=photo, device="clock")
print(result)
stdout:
2:59
